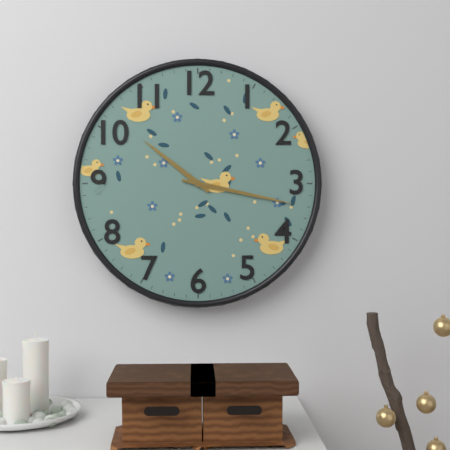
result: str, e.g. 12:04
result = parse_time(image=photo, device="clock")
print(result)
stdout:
10:17
